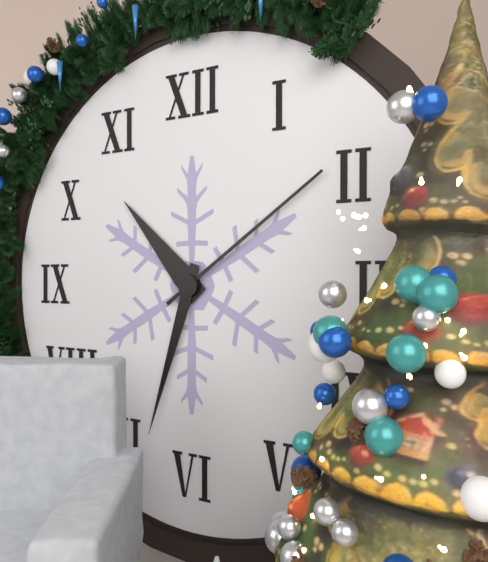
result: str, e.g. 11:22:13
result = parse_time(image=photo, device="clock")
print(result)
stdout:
10:33:09
